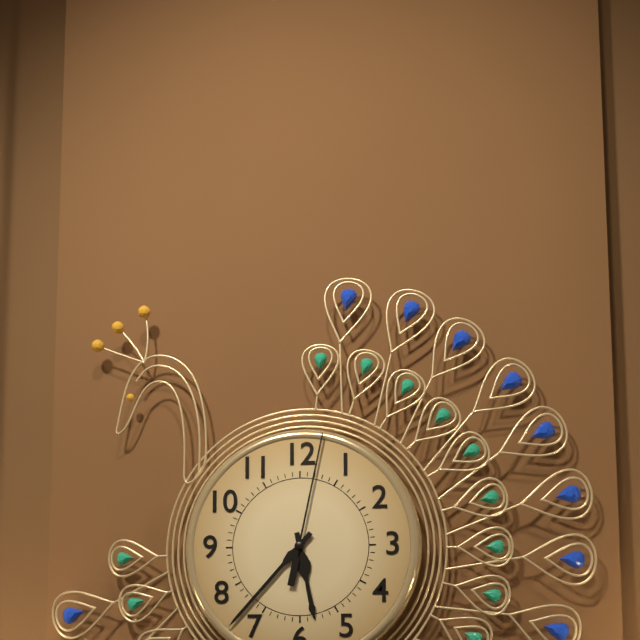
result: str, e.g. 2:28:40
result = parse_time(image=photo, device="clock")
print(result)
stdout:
5:37:02
